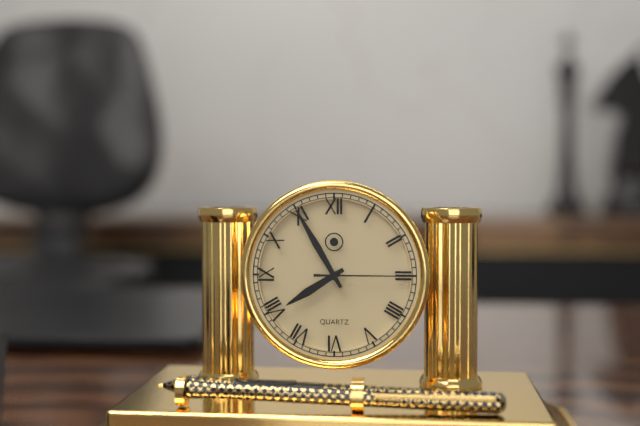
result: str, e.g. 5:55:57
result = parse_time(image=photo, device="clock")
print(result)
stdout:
7:55:15
